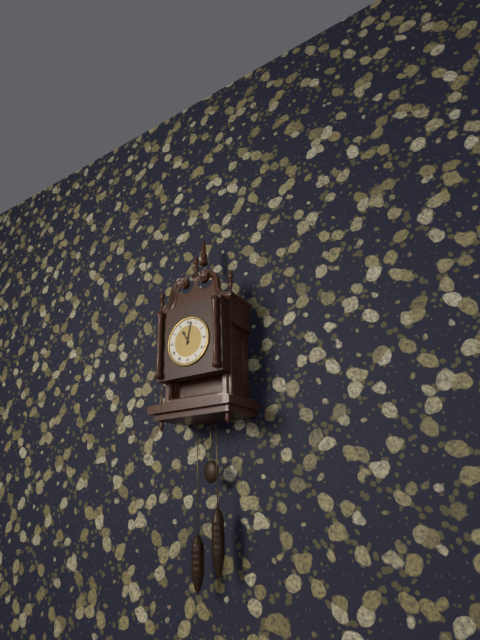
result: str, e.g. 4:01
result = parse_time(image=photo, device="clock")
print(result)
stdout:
11:02
